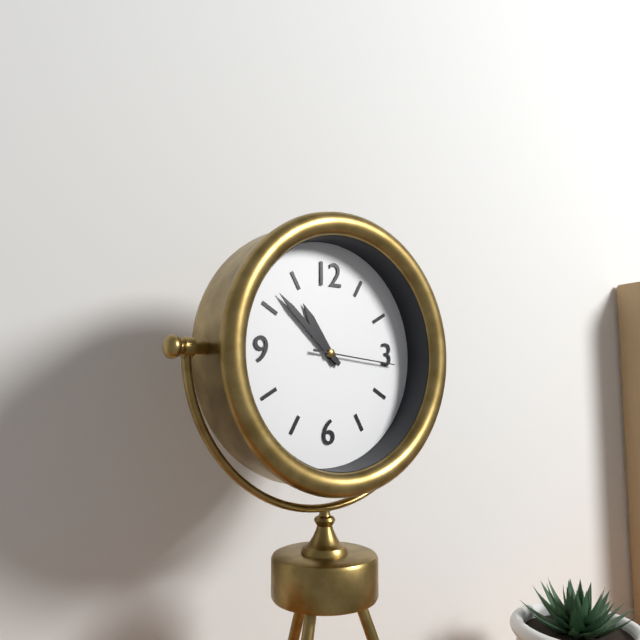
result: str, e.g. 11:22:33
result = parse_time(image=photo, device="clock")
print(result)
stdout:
10:52:16
